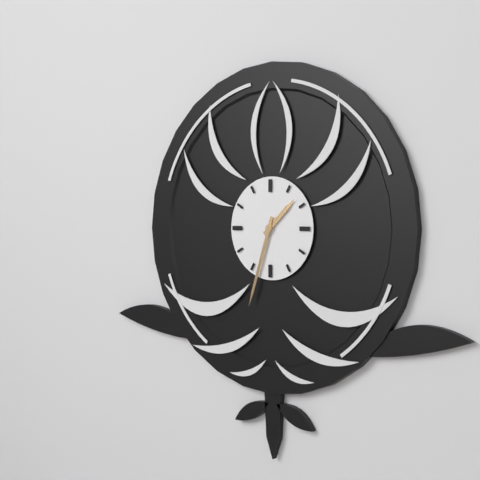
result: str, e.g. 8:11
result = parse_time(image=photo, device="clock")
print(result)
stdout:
1:33
